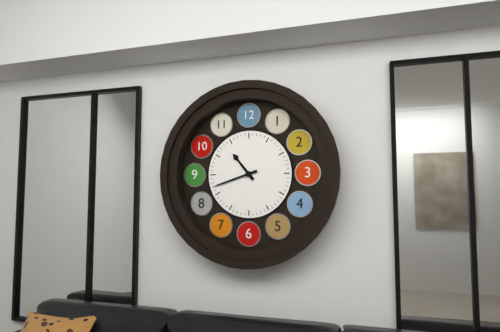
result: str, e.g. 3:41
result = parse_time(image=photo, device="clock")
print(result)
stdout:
10:42
